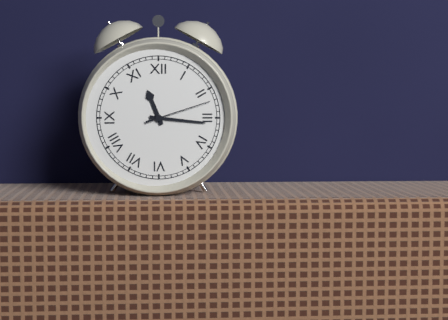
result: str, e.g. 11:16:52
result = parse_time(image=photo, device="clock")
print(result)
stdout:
11:16:12
